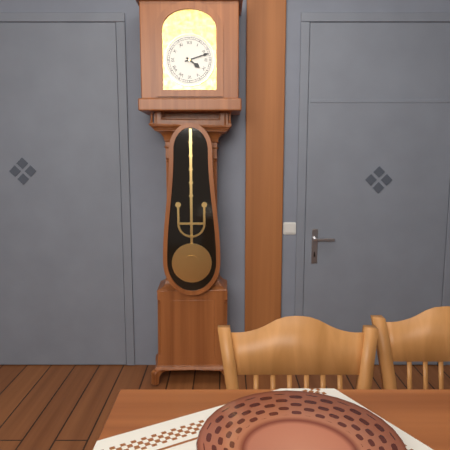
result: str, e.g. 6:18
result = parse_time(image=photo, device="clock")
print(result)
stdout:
4:12
